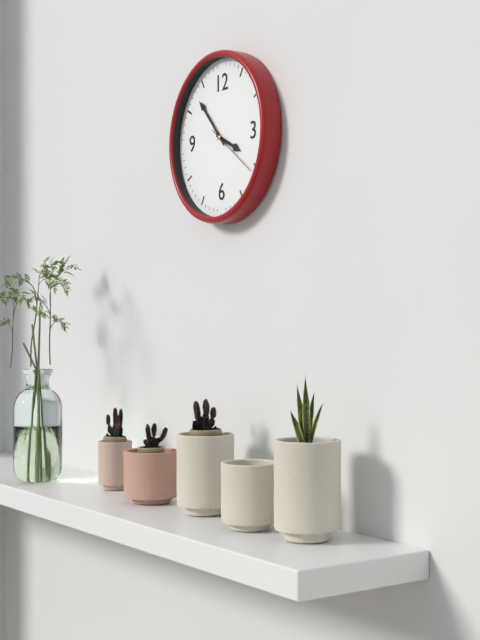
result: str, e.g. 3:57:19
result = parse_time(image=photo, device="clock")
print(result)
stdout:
3:53:21
